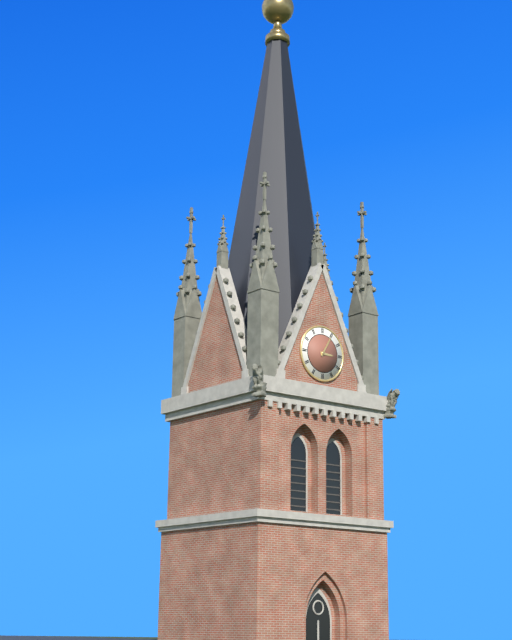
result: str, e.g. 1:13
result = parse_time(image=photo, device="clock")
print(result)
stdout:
3:05
